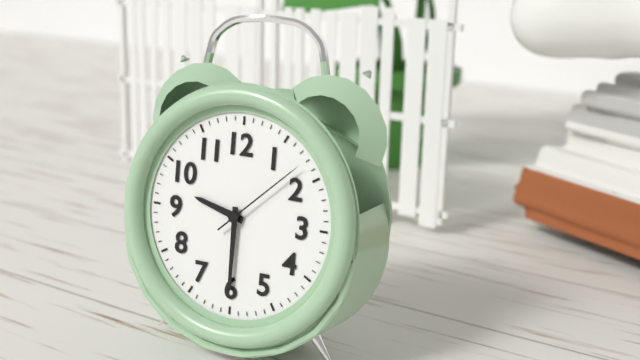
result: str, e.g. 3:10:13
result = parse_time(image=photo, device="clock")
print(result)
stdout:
9:30:08
